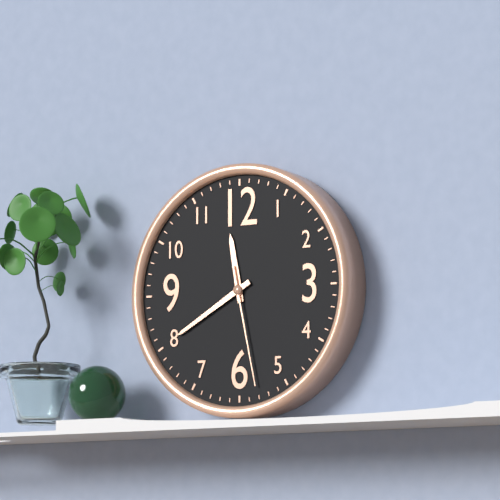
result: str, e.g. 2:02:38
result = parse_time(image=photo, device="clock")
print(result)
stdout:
11:40:28
